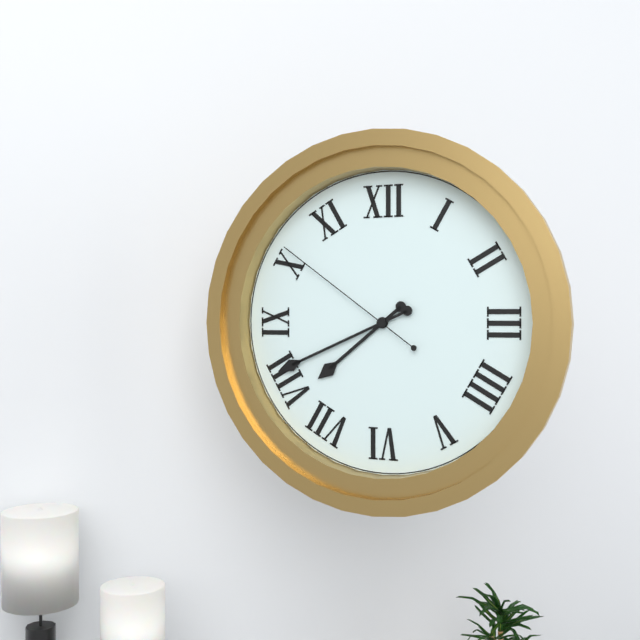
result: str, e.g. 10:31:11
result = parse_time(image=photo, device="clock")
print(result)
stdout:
7:41:51
